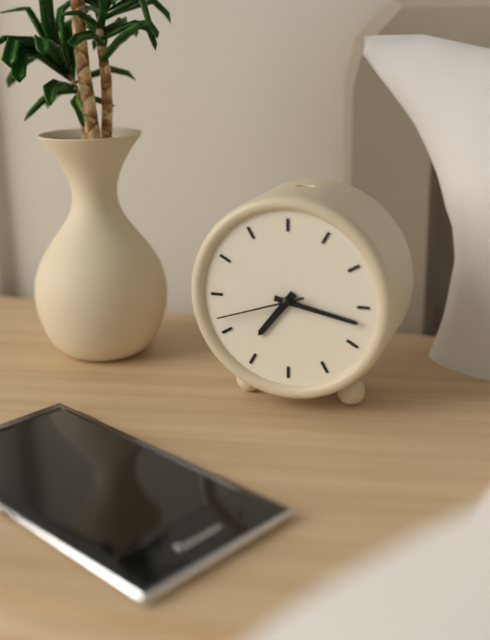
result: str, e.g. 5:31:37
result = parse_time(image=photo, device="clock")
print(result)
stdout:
7:17:42
